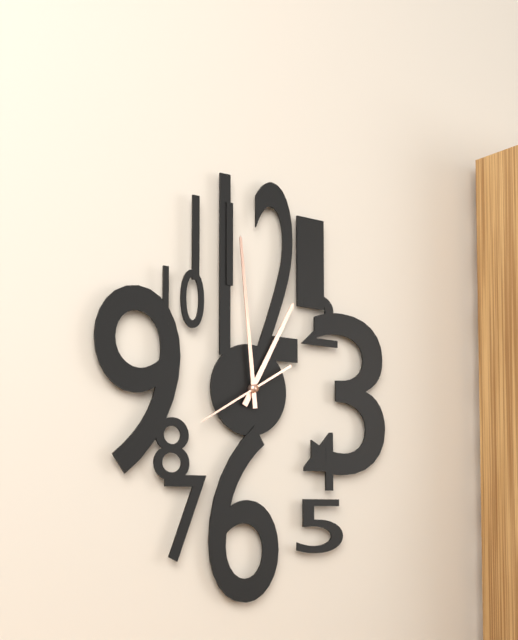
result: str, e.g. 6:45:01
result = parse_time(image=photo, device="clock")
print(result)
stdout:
12:59:40
